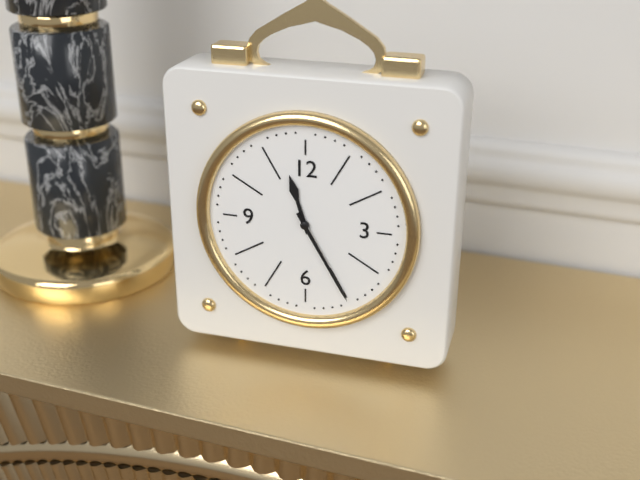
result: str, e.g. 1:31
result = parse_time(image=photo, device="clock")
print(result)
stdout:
11:25
